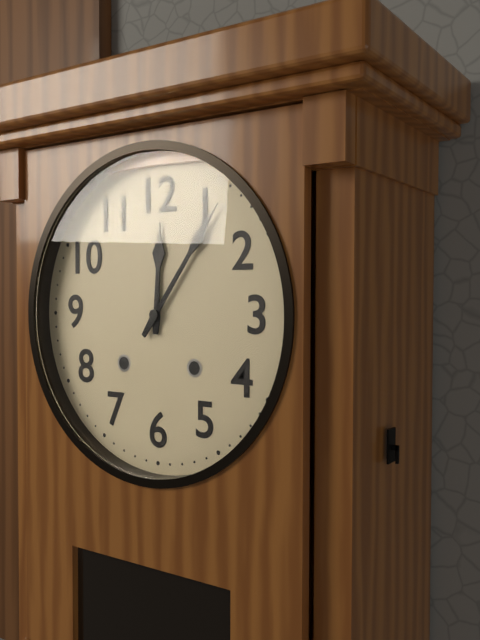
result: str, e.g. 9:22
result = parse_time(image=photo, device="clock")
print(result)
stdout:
12:06
